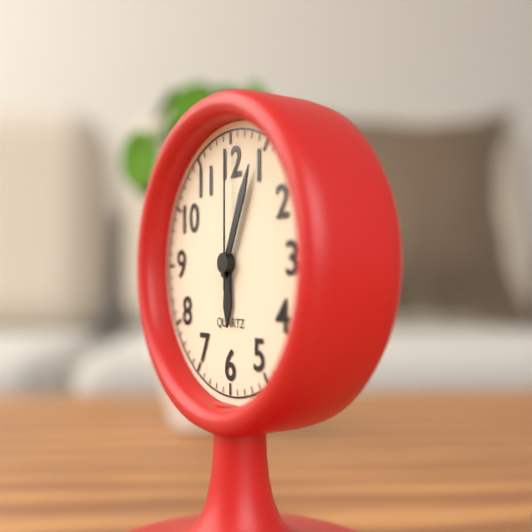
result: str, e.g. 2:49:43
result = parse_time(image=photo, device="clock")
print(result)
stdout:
6:04:00
